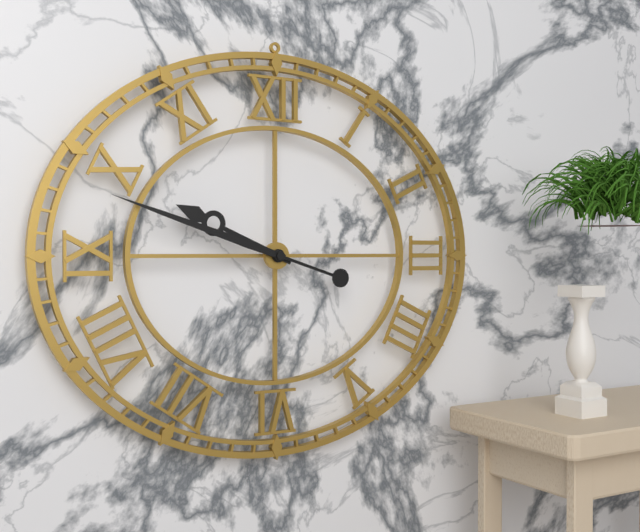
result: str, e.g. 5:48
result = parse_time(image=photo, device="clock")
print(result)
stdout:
9:48
